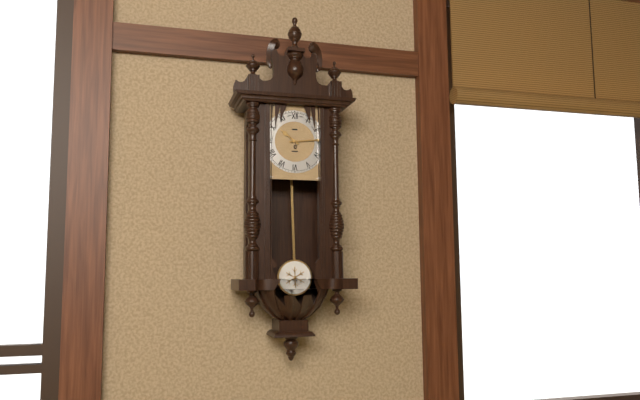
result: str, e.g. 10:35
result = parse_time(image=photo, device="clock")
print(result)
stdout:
10:14
